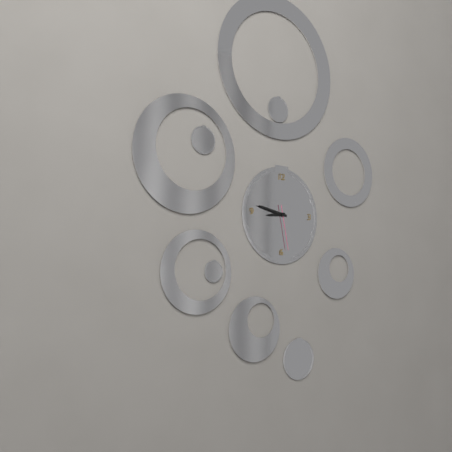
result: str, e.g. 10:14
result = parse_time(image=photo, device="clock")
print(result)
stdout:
8:47
